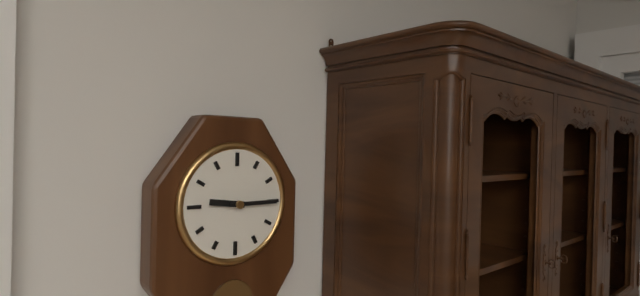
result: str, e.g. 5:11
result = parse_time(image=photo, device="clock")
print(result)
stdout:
9:15
